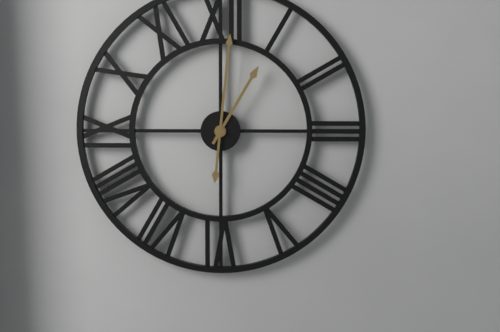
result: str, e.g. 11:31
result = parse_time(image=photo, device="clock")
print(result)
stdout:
1:01
